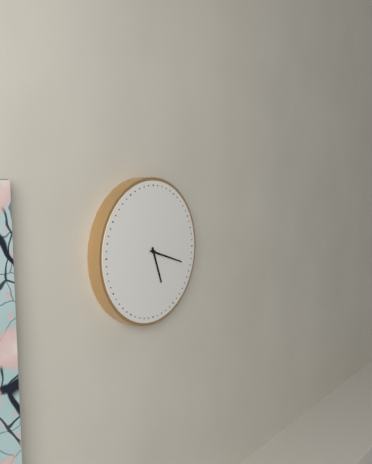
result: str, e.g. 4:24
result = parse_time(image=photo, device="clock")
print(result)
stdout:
5:18
